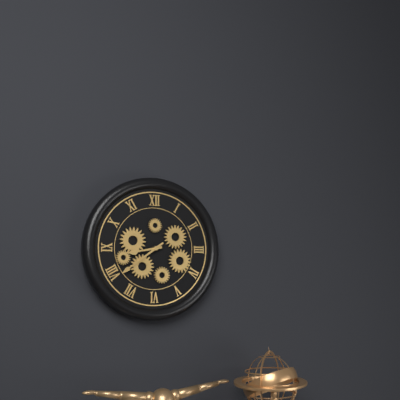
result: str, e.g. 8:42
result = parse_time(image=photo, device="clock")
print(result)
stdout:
8:39
